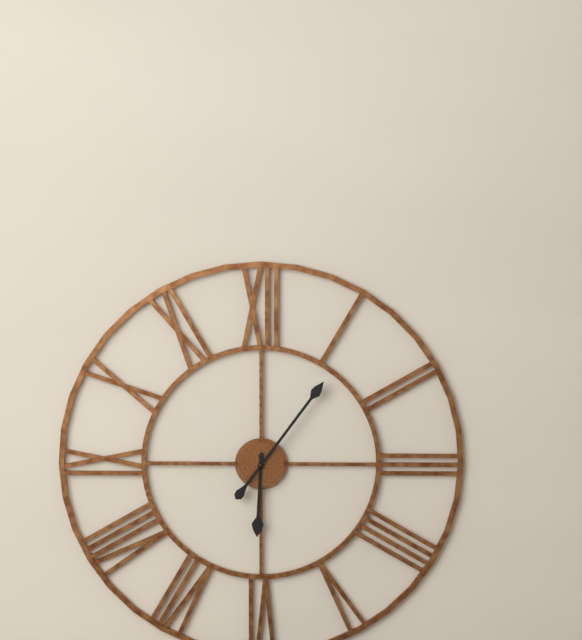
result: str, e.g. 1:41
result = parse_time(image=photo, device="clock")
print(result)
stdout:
6:06
